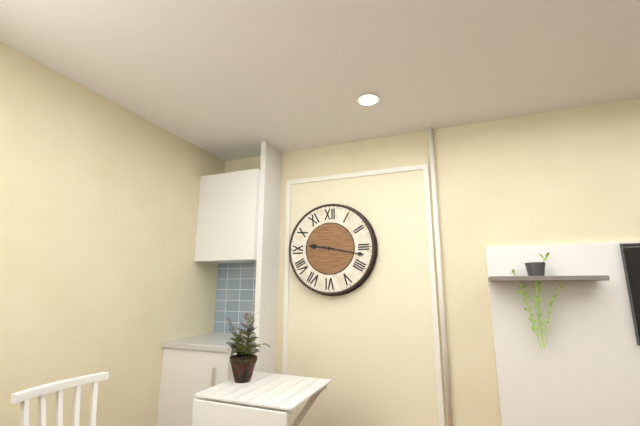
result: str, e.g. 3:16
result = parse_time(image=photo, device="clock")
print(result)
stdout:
9:17
